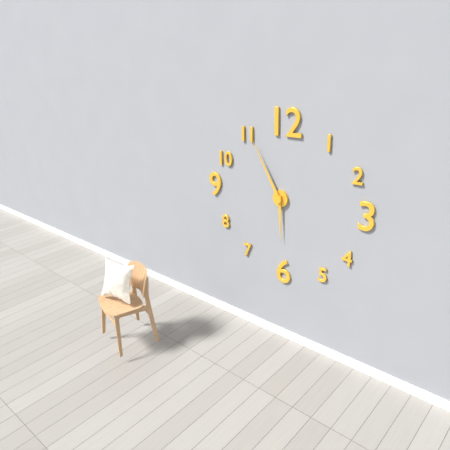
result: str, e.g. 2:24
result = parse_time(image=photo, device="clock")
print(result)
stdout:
5:55
